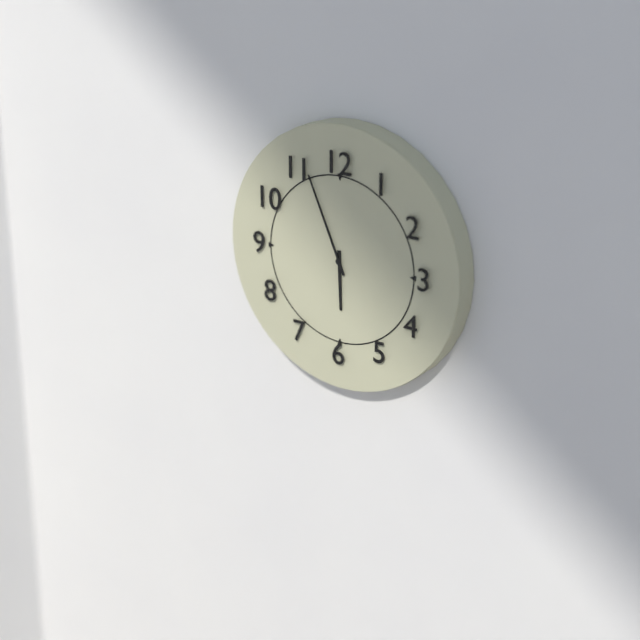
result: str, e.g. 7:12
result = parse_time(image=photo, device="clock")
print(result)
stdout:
5:56
